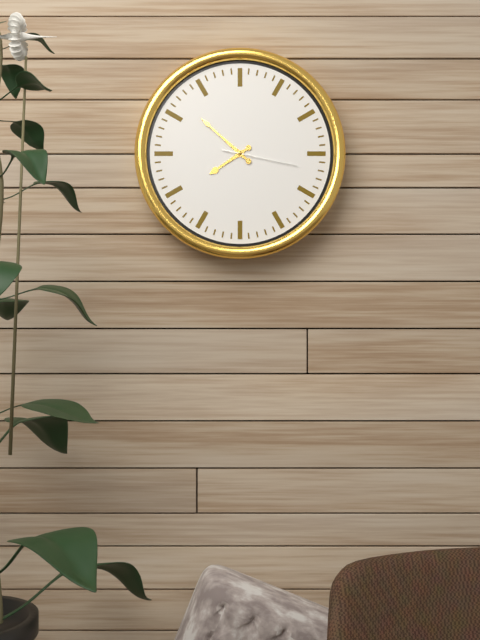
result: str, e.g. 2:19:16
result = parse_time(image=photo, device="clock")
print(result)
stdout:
7:52:17
